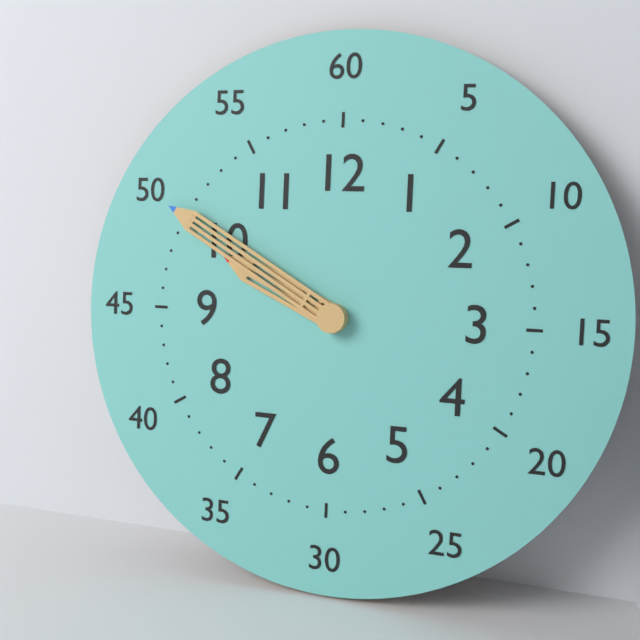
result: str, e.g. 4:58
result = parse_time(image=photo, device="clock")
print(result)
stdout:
9:50
